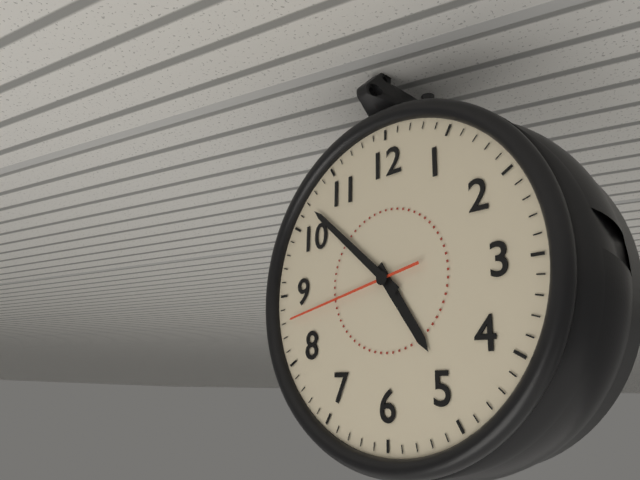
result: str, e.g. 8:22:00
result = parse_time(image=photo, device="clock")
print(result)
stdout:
4:52:43
